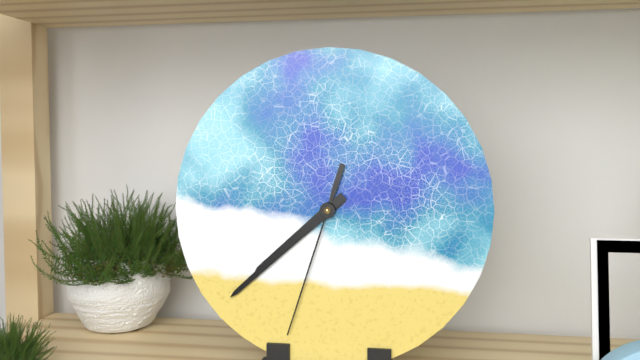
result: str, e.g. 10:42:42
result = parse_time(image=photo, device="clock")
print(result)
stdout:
7:38:33
